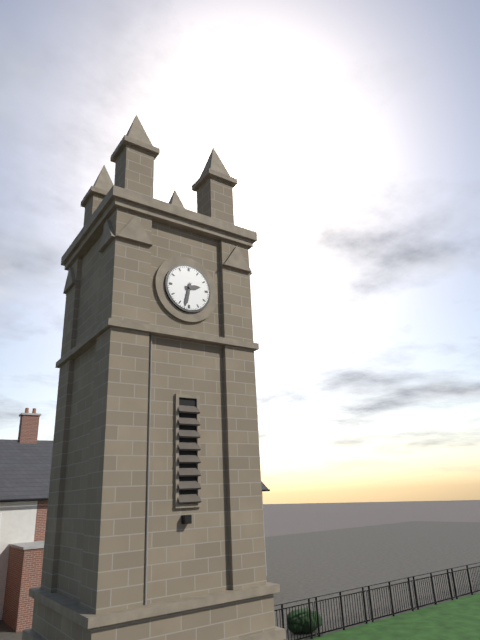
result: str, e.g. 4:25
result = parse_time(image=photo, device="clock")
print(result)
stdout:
2:32
